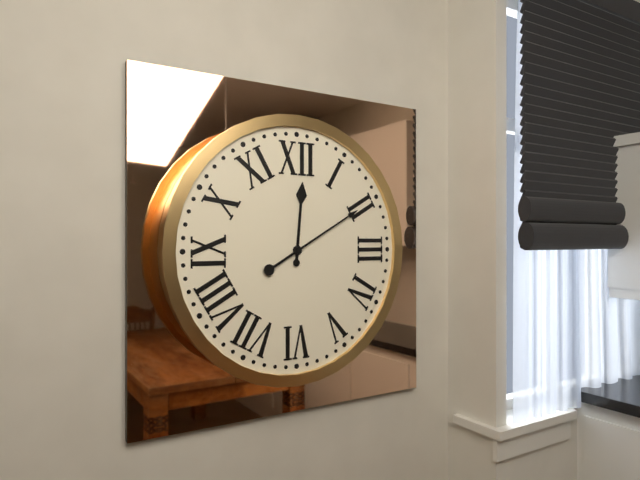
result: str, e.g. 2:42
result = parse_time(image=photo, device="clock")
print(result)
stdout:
12:10
